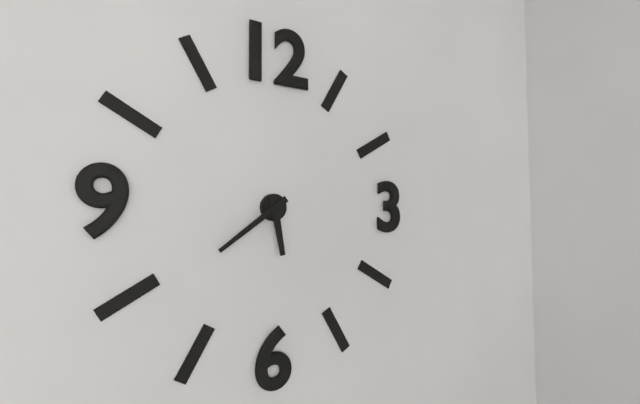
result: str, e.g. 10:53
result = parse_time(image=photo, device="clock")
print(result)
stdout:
5:39
